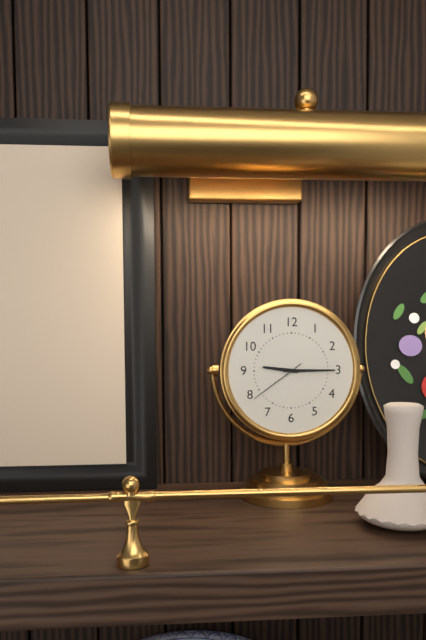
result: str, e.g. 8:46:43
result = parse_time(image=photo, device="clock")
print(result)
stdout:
9:15:39
